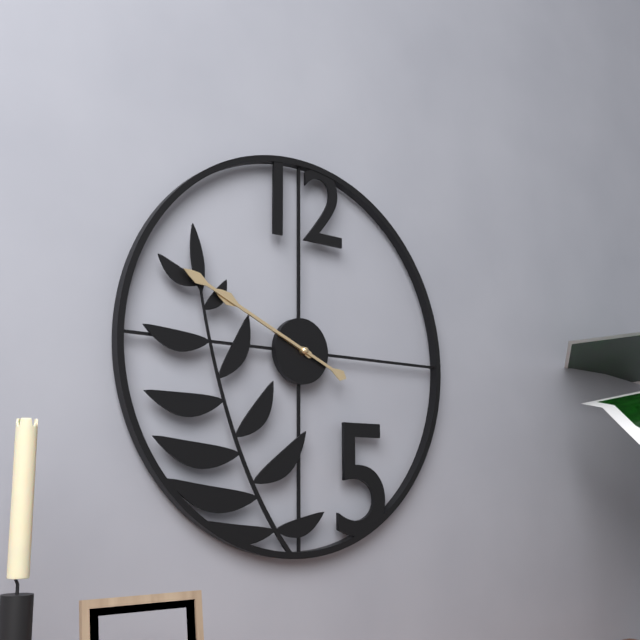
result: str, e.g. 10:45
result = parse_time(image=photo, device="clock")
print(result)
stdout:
9:49
